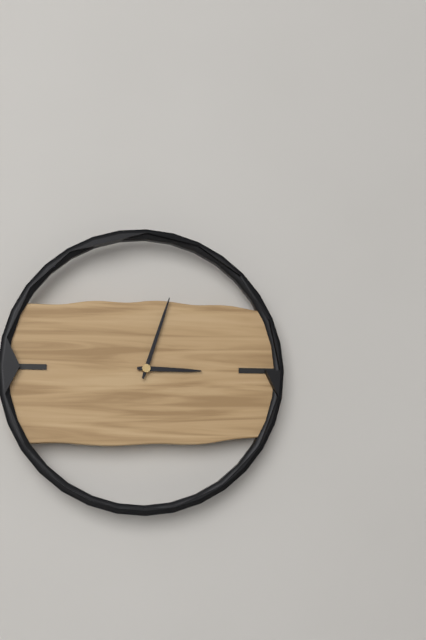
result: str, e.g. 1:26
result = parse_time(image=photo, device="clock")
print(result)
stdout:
3:03
